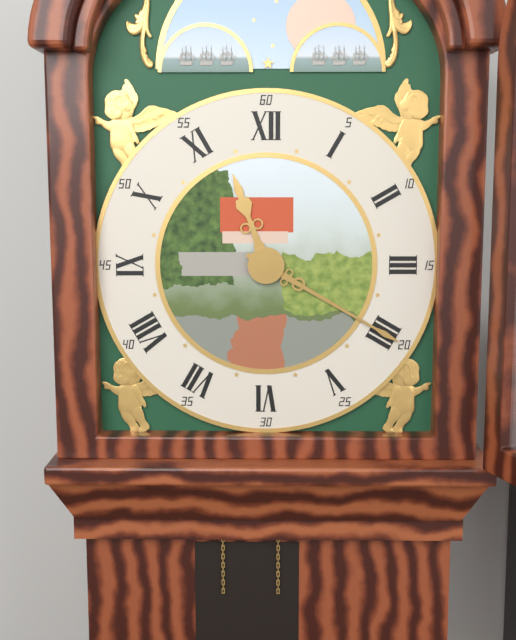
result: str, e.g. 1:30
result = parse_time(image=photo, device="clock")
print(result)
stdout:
11:20
